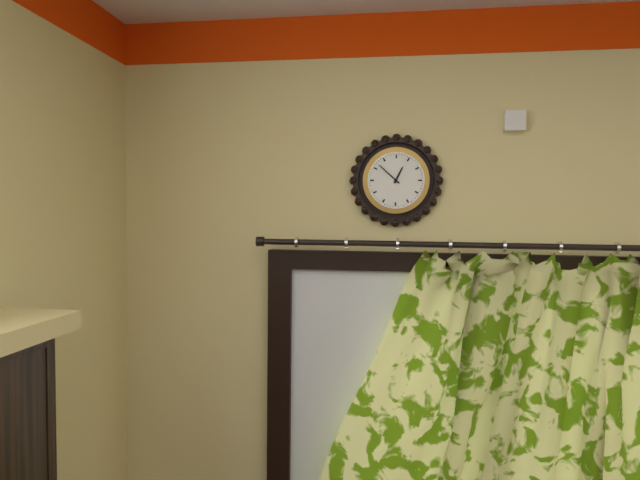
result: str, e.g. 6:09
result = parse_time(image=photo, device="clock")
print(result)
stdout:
12:52
